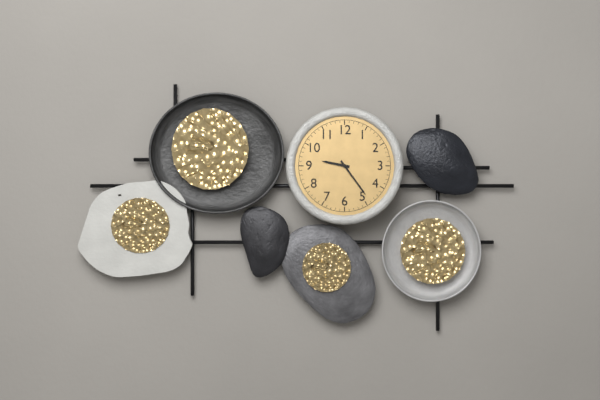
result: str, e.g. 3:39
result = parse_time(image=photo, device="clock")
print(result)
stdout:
9:24
